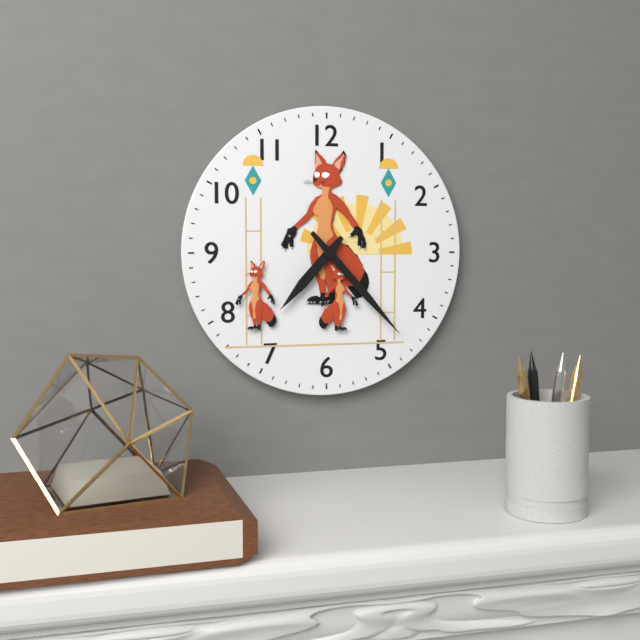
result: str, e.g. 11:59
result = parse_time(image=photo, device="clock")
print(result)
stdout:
7:23
